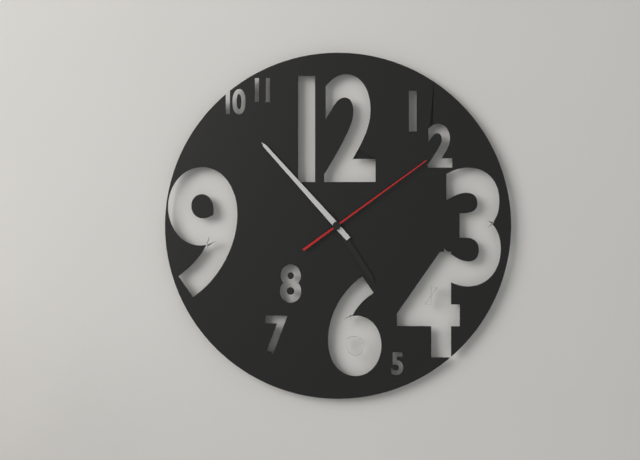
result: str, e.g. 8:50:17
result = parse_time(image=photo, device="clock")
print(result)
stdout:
4:53:09
